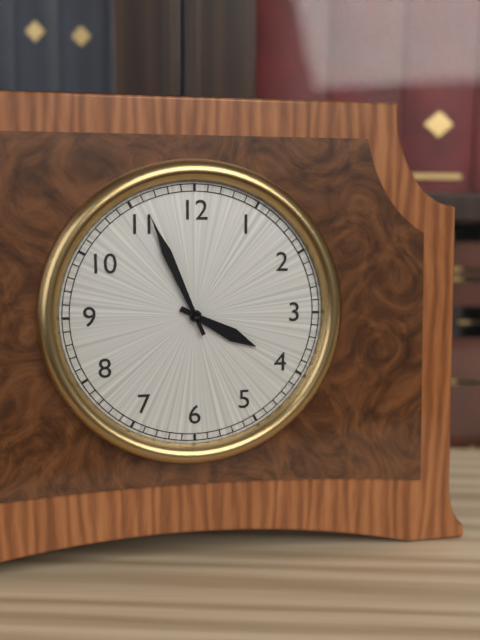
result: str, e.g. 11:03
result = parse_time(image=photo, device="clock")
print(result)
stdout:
3:56
